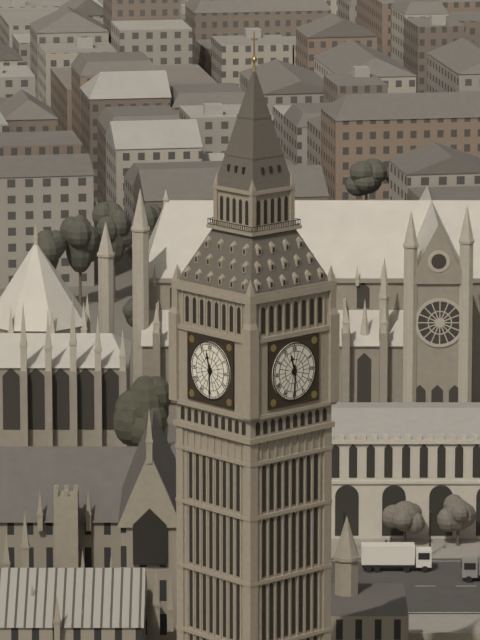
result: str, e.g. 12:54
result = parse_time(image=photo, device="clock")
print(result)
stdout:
11:30
